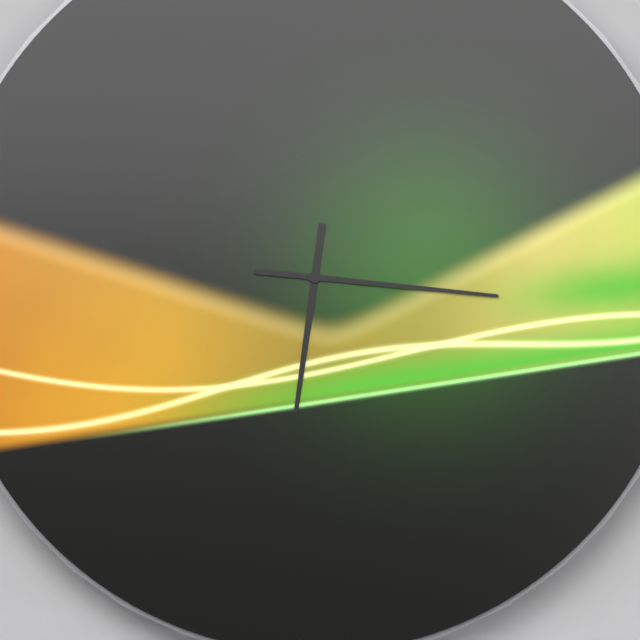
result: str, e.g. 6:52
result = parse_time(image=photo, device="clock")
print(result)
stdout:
6:16
